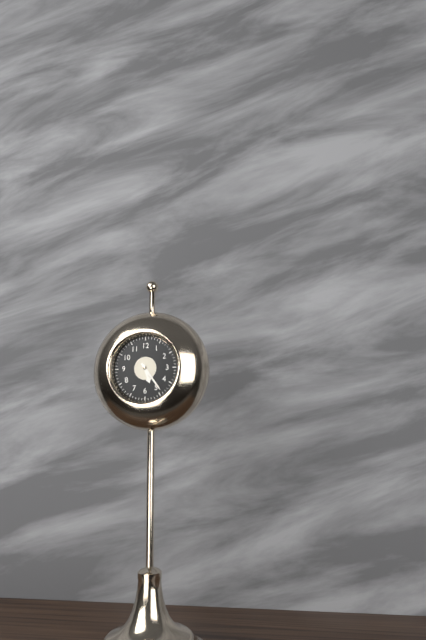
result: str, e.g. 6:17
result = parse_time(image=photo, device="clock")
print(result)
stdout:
5:24
